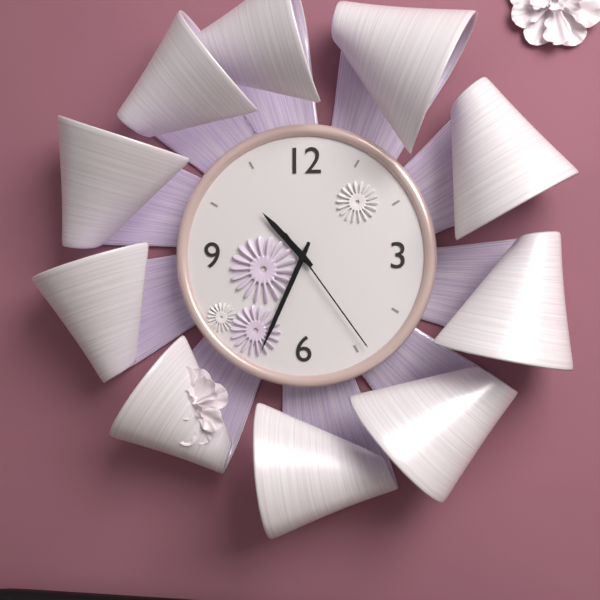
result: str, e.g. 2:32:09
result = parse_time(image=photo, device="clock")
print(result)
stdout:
10:34:24
